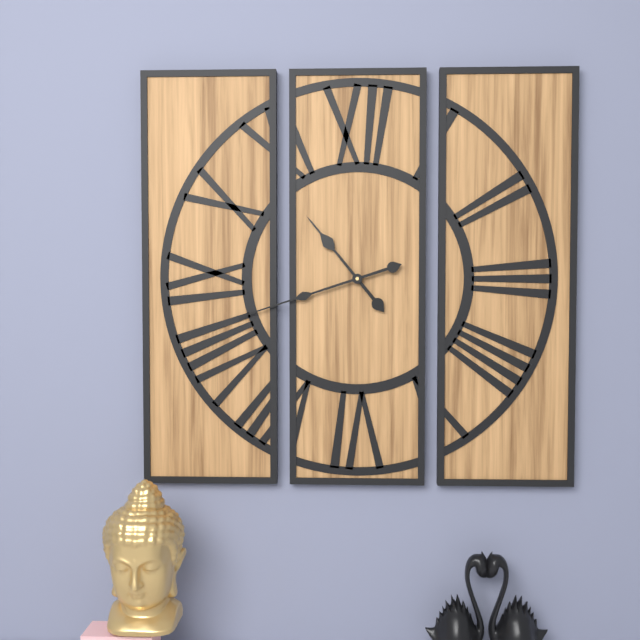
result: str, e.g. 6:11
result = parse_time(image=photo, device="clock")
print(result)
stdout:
10:42
